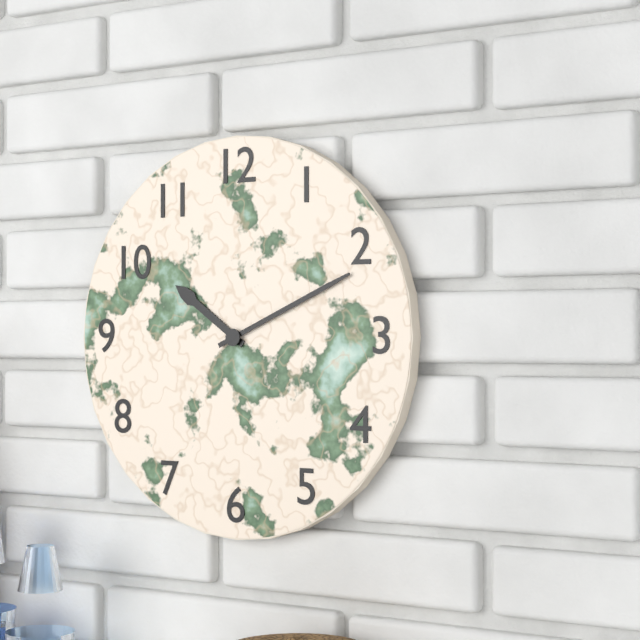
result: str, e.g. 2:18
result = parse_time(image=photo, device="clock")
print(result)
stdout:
10:11
